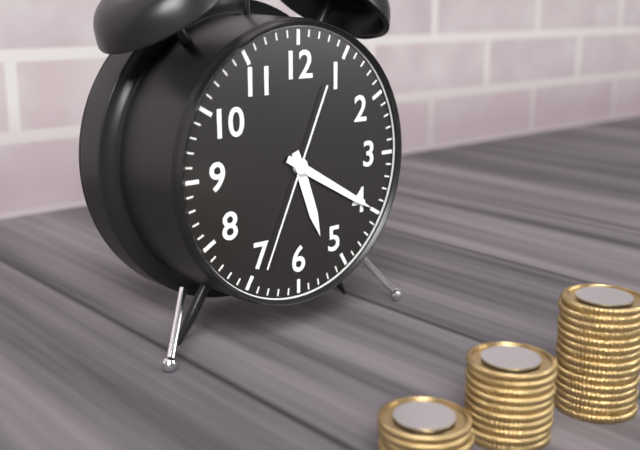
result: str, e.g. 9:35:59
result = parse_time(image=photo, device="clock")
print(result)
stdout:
5:20:34
